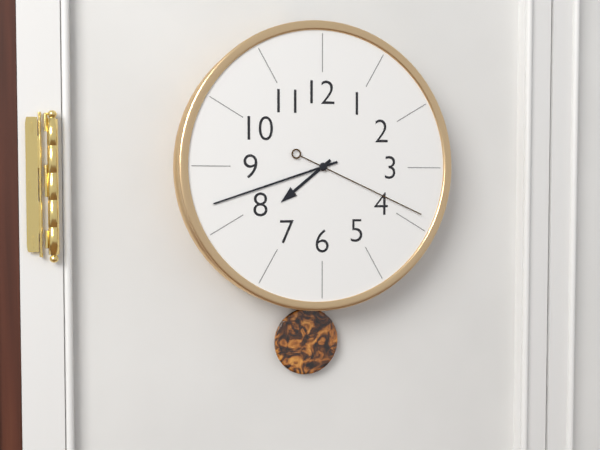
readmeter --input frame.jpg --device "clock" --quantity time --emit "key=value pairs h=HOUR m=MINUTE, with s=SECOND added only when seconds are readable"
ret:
h=7 m=42 s=19
